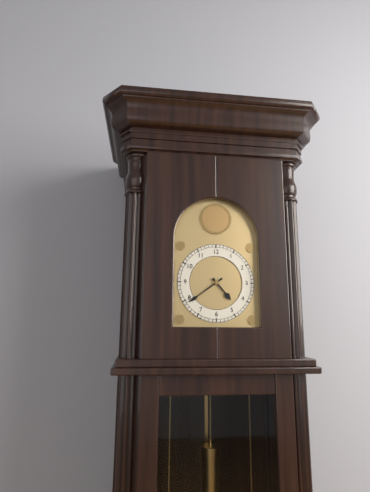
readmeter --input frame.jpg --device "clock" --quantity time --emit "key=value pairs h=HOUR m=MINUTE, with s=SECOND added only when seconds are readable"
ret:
h=4 m=39
